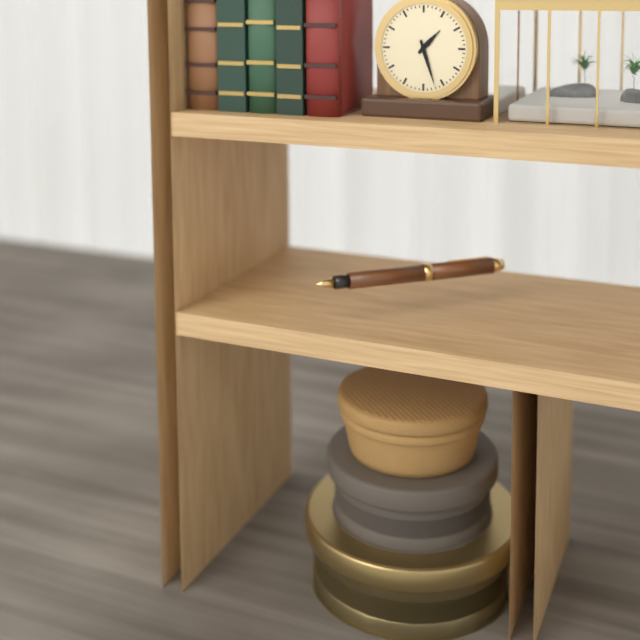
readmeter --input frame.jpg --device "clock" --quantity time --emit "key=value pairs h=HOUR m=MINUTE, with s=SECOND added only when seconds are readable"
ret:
h=1 m=27
